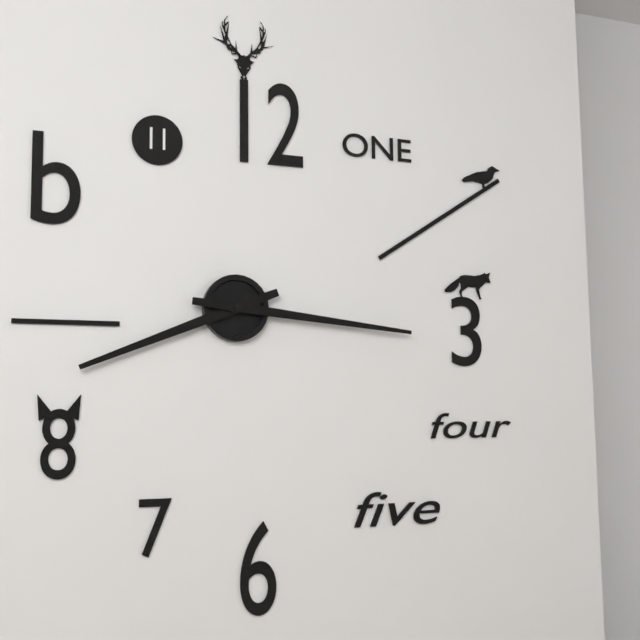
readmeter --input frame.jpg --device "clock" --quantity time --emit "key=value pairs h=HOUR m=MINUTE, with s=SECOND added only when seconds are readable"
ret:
h=8 m=16
